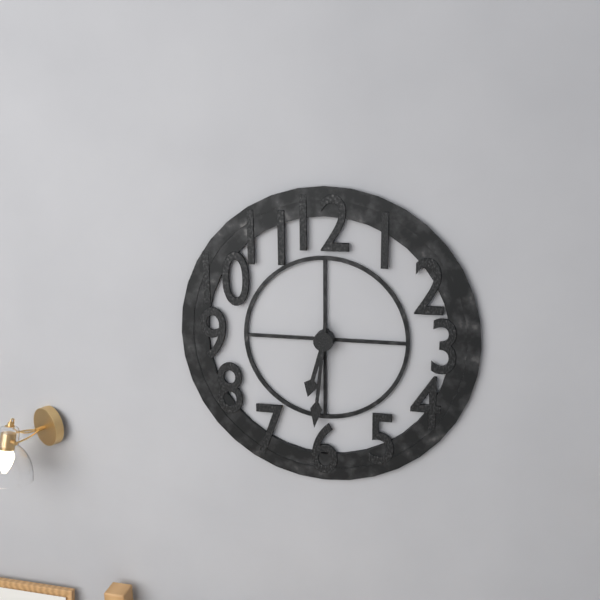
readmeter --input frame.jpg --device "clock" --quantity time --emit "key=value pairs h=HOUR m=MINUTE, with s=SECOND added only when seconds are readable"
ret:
h=6 m=31
